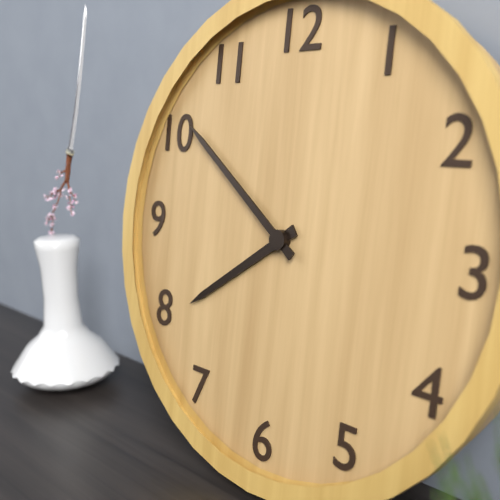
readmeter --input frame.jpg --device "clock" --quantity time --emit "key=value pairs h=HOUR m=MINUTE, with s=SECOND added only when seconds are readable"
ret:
h=7 m=51
